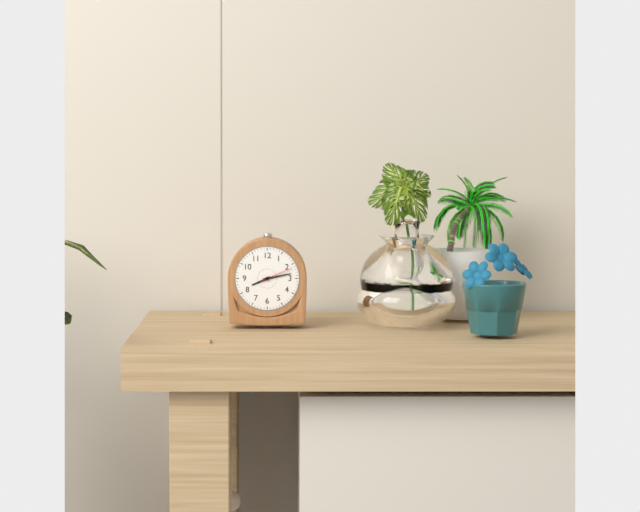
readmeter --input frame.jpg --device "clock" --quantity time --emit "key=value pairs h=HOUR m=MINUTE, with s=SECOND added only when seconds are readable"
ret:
h=8 m=13
